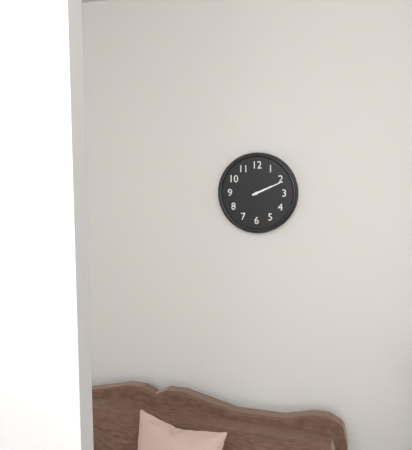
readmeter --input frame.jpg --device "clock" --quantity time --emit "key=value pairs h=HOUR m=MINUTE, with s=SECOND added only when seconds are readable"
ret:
h=2 m=11
